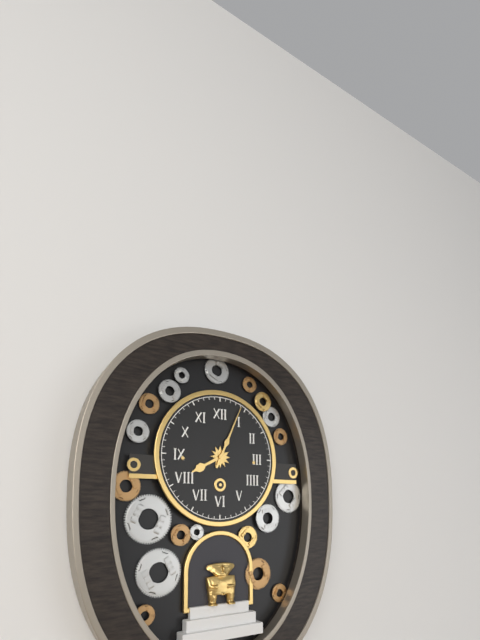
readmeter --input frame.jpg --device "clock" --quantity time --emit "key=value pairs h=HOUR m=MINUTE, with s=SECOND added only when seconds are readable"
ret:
h=8 m=4
